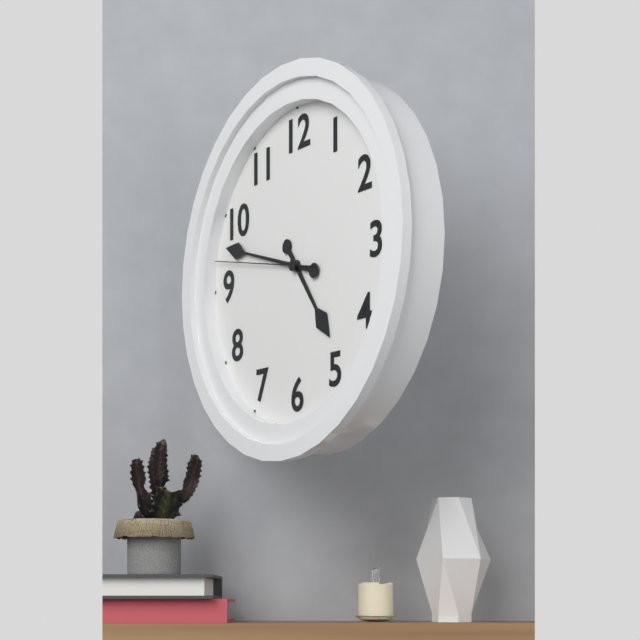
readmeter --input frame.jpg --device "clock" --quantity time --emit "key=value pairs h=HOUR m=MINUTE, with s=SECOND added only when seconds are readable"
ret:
h=4 m=48 s=47
